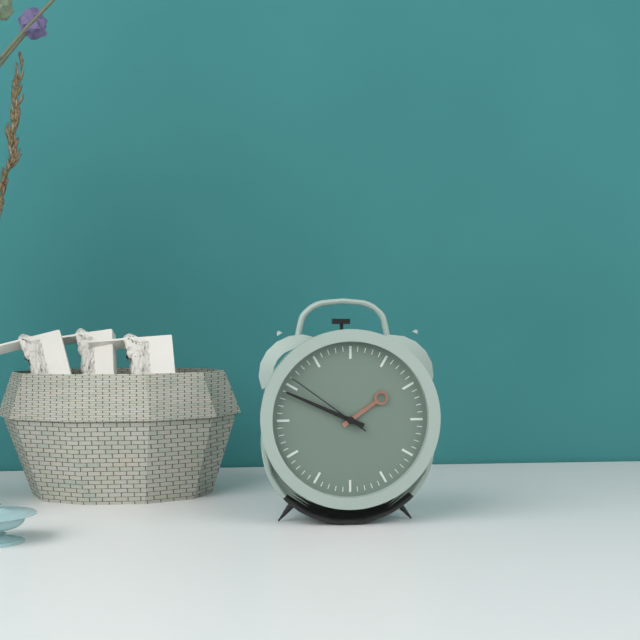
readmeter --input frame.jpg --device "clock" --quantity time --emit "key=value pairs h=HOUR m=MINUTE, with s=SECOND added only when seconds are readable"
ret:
h=1 m=49 s=51
